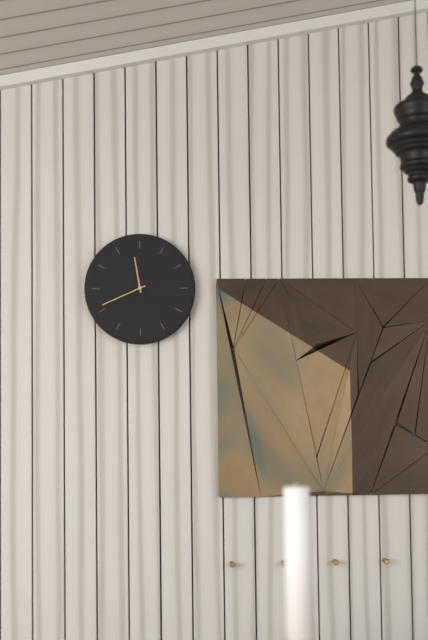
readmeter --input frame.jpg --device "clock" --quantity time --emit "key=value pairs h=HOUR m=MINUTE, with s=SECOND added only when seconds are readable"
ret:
h=11 m=41
